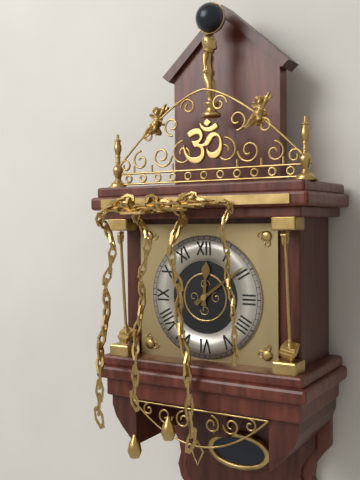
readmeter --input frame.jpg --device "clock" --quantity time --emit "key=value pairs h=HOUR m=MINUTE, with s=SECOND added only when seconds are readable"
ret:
h=12 m=9
